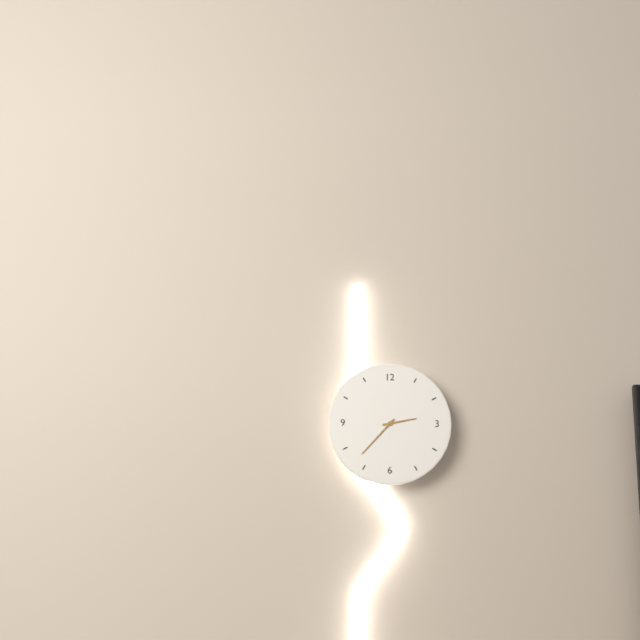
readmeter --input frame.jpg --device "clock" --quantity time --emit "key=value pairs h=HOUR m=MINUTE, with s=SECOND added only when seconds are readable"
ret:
h=2 m=37
